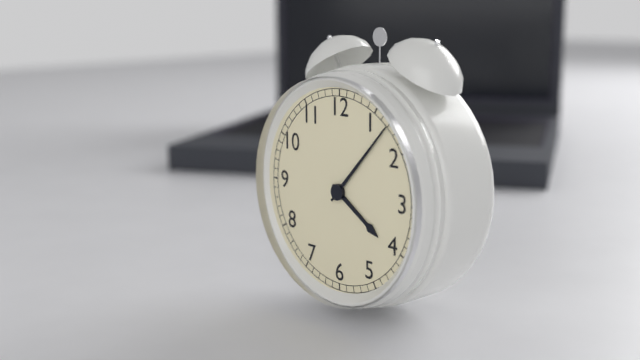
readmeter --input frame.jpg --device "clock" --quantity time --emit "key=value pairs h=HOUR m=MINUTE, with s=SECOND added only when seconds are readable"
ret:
h=4 m=7
